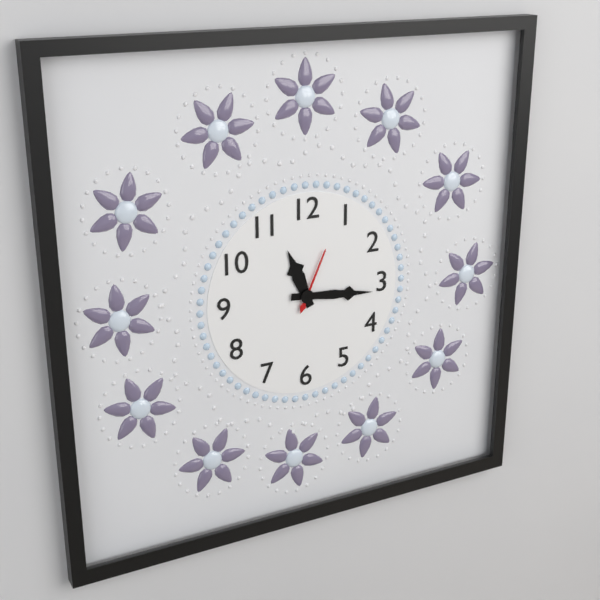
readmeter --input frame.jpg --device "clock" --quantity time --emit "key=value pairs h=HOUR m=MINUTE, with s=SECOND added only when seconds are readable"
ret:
h=11 m=16 s=4
